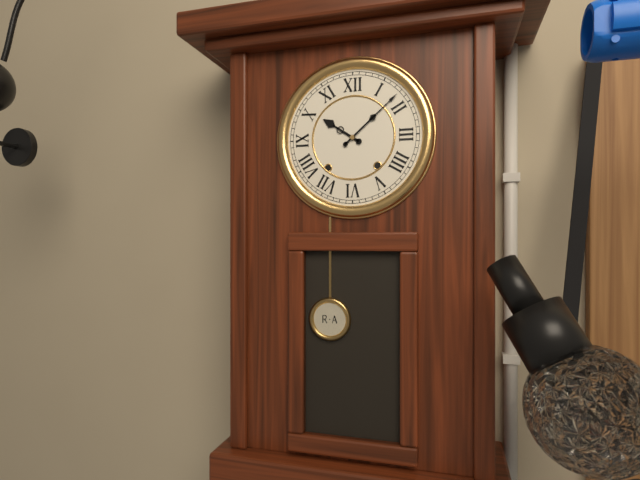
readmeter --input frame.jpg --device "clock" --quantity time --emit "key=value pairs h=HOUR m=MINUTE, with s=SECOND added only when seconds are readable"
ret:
h=10 m=8
